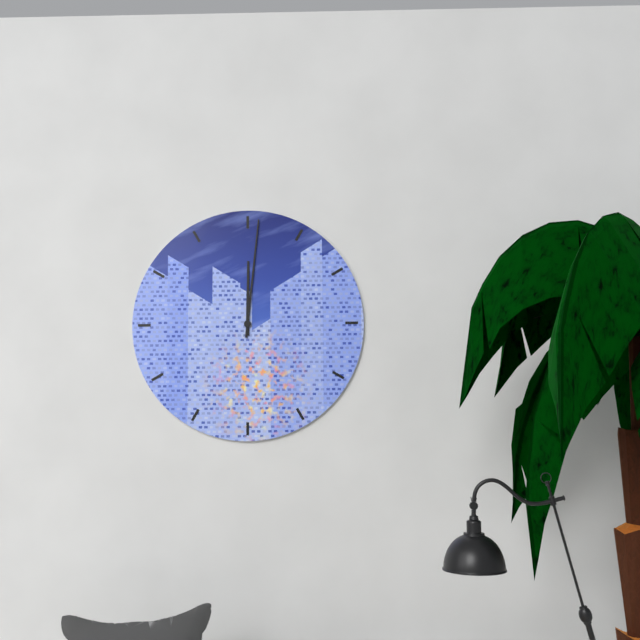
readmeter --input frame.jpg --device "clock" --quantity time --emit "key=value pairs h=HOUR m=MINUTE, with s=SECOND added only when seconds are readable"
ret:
h=12 m=1
